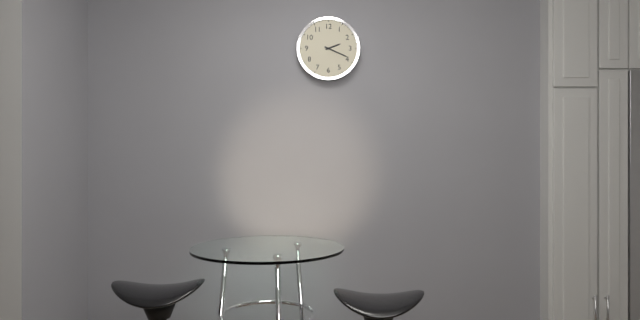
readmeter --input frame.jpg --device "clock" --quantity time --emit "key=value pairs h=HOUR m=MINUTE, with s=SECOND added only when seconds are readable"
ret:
h=2 m=19
